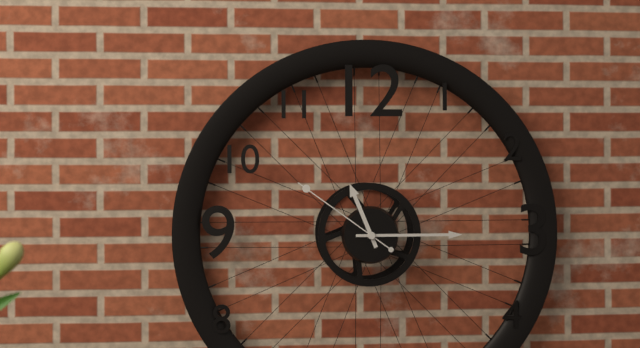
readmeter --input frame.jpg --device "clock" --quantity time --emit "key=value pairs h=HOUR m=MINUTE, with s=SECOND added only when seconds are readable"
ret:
h=11 m=15 s=51
